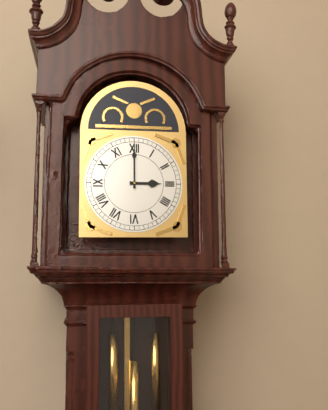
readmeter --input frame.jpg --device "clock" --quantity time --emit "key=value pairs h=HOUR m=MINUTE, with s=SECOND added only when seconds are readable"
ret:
h=3 m=0
